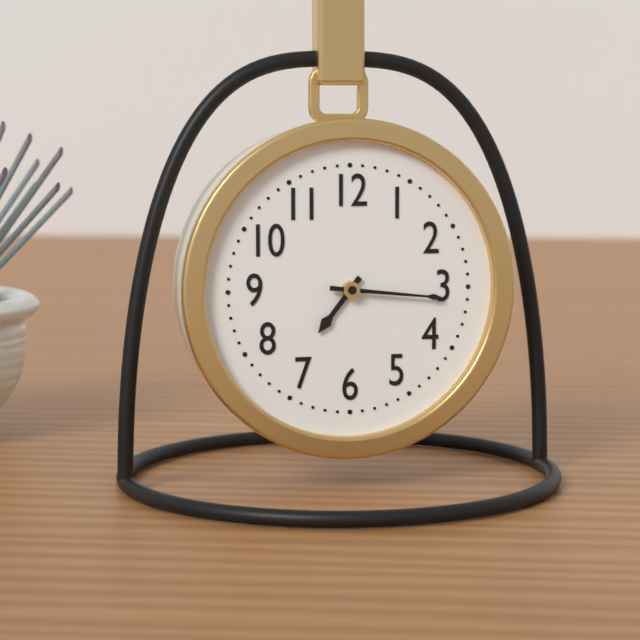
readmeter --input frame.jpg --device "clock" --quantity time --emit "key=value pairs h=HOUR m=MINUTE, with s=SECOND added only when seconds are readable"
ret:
h=7 m=16
